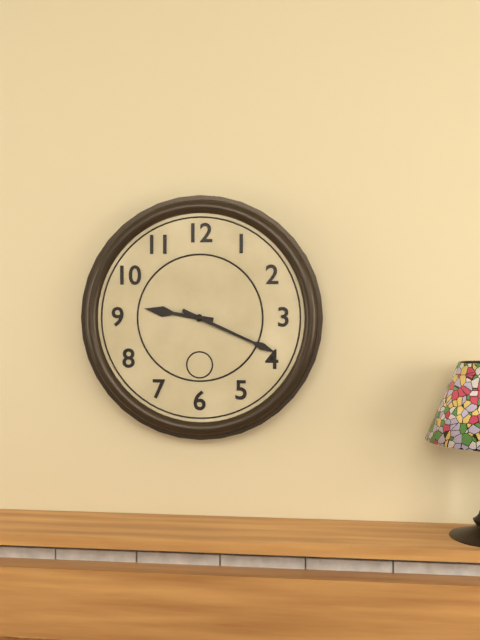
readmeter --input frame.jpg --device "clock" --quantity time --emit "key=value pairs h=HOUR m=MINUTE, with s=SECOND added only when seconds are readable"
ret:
h=9 m=19
